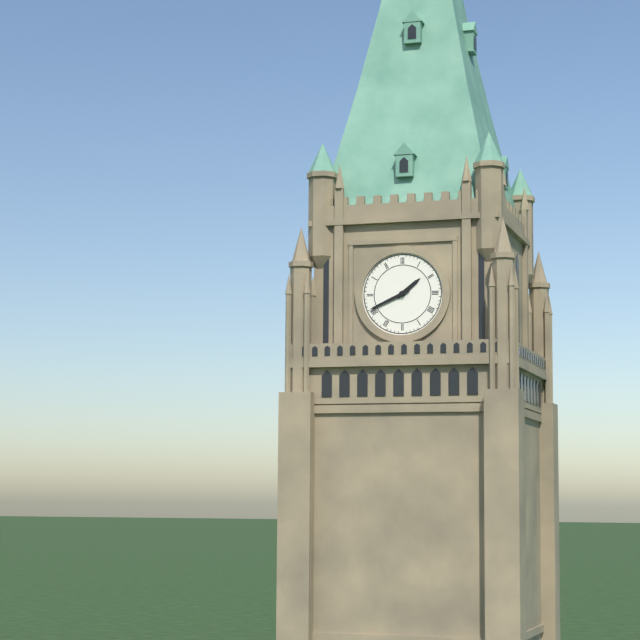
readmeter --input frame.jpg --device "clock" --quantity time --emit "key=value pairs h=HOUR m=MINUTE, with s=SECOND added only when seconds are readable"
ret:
h=1 m=41
